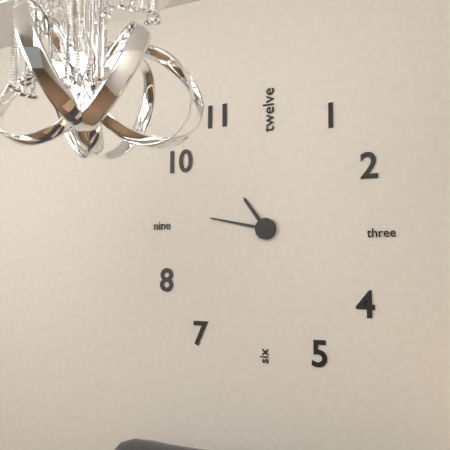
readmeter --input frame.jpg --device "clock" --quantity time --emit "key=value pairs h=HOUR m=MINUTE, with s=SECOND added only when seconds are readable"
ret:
h=10 m=47
